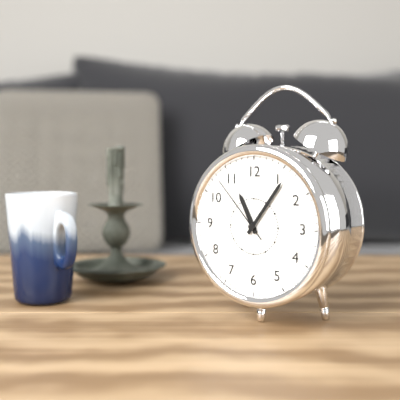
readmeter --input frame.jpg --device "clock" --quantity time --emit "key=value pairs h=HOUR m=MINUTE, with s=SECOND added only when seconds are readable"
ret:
h=11 m=6 s=53
